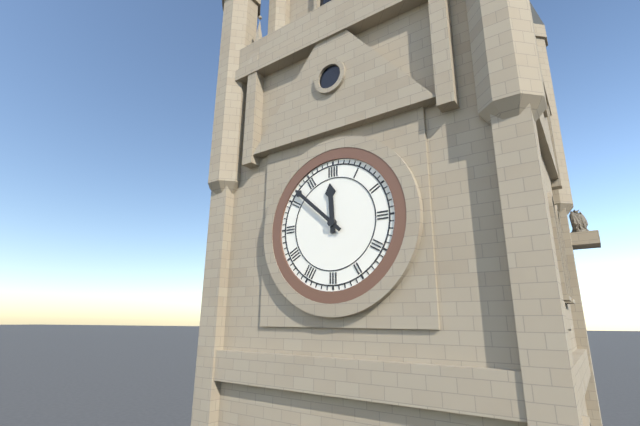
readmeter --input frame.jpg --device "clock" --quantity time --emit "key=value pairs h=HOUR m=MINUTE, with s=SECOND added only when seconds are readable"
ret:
h=11 m=52
